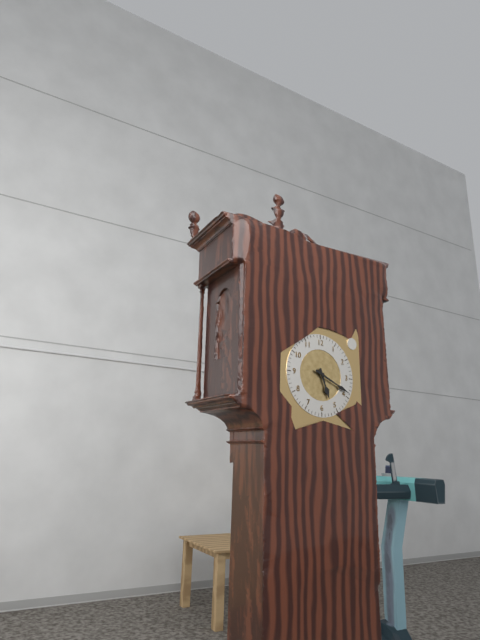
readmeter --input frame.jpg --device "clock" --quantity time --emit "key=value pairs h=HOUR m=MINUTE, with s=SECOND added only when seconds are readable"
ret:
h=5 m=19
